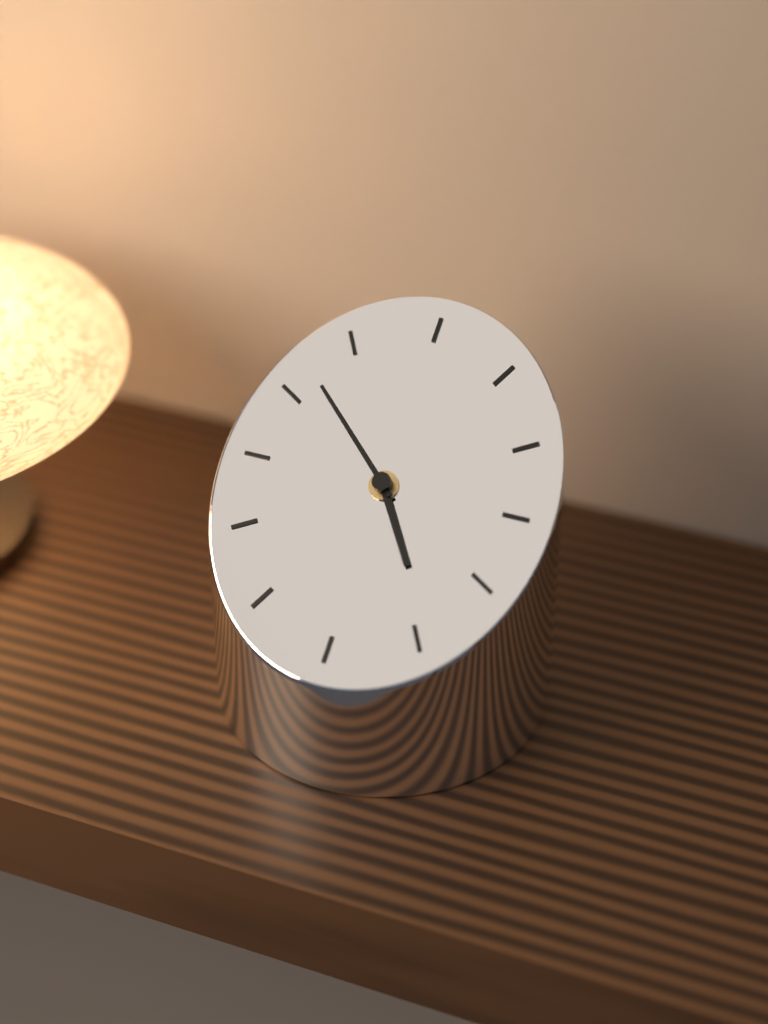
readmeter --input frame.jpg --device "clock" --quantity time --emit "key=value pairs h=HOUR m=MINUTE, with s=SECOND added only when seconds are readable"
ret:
h=4 m=52
